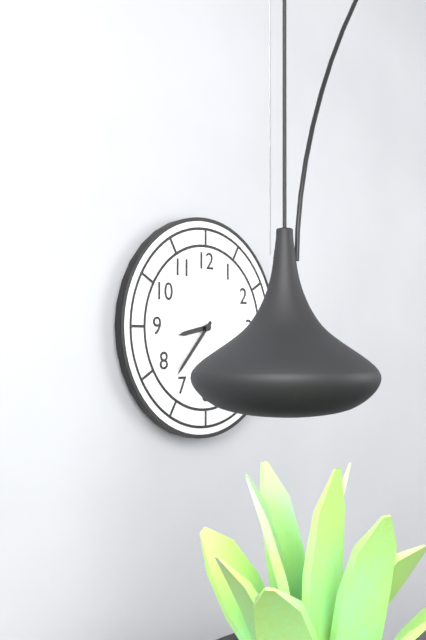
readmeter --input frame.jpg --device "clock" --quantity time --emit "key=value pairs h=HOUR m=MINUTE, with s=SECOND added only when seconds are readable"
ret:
h=8 m=37 s=59
